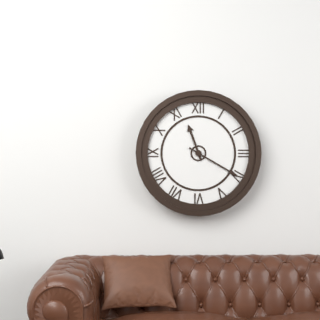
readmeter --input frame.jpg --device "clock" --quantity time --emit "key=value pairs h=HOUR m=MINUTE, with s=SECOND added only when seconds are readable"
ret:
h=11 m=20
